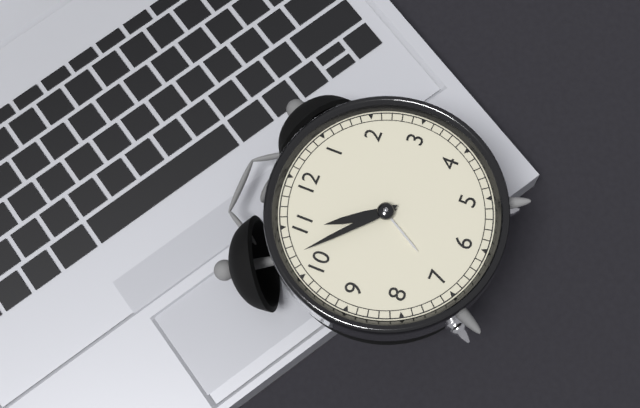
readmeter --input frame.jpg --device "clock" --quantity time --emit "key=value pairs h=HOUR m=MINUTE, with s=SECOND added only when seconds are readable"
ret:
h=10 m=52
